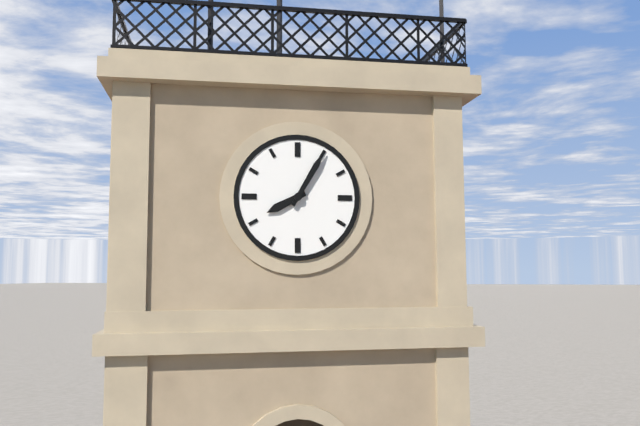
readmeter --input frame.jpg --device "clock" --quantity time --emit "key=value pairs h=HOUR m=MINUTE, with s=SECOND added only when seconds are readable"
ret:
h=8 m=5
